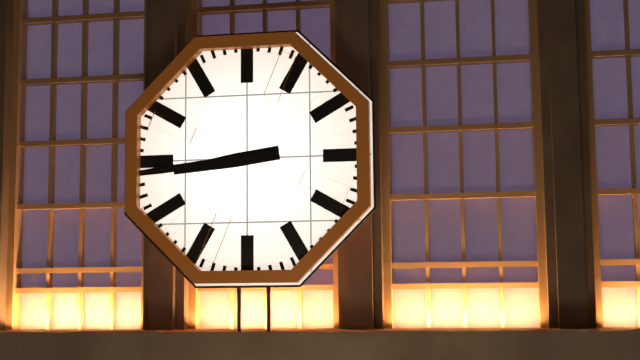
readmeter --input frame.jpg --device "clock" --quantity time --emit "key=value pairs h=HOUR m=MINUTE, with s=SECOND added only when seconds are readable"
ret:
h=8 m=44
